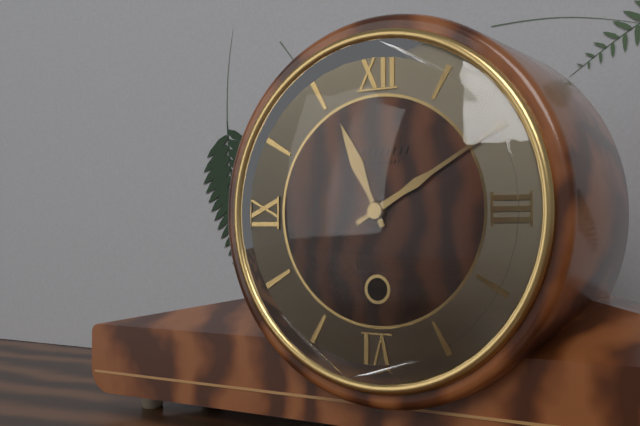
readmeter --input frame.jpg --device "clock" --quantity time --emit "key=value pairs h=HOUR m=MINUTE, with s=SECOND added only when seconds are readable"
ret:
h=11 m=10
